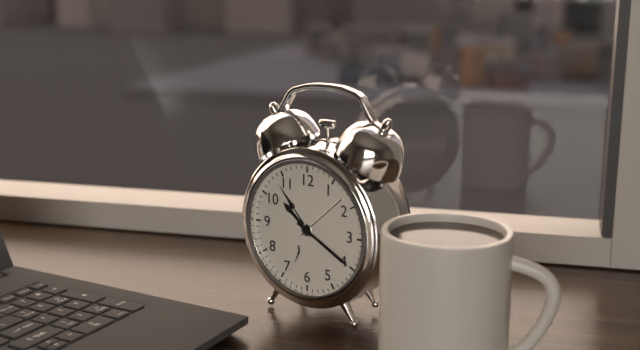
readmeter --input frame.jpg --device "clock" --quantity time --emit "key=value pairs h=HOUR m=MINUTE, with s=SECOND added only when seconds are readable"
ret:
h=10 m=20
